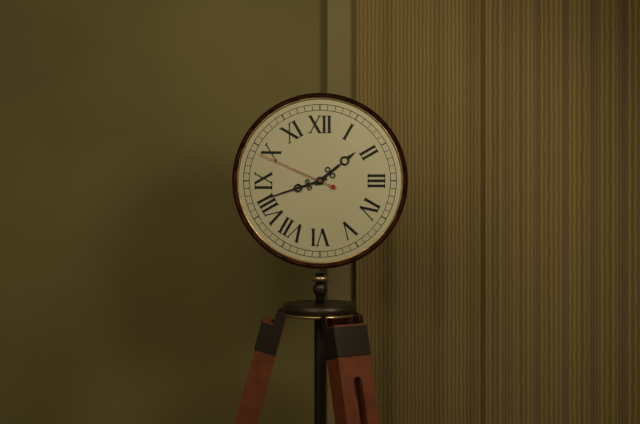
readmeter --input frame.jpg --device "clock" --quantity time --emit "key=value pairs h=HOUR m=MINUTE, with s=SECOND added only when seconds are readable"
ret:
h=1 m=42 s=49
